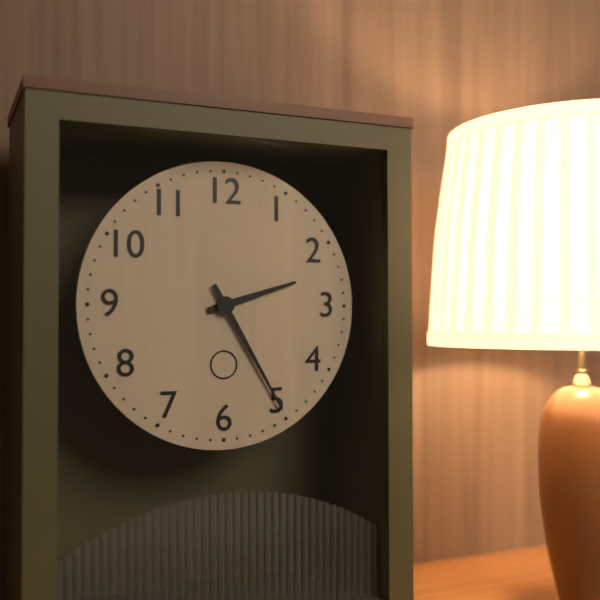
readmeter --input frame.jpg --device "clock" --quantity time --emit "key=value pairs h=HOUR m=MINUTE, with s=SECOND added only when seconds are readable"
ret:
h=2 m=25
